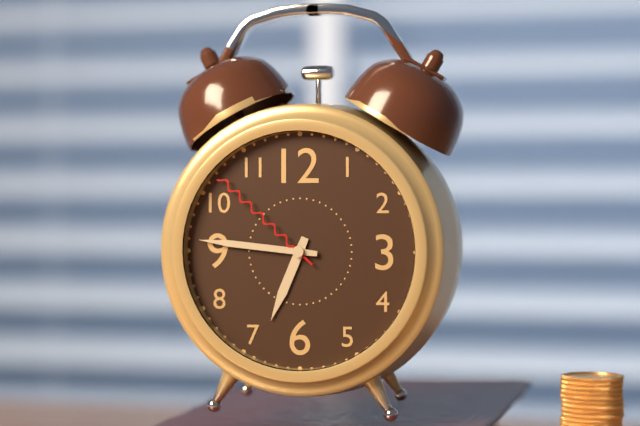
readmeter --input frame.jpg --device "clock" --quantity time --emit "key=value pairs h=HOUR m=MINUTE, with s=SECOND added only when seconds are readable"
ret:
h=6 m=46 s=52
